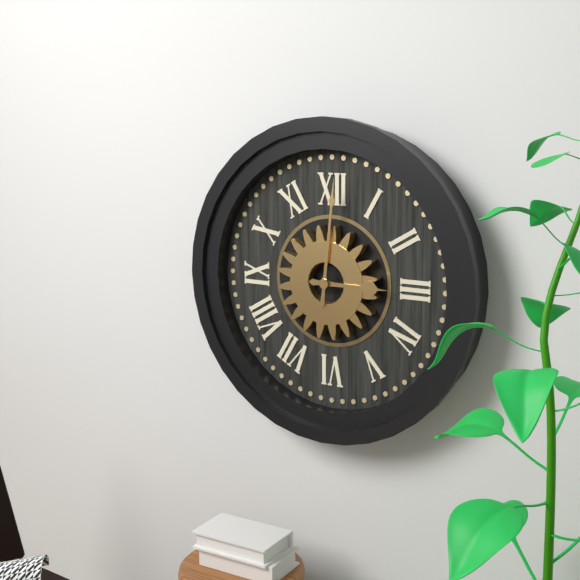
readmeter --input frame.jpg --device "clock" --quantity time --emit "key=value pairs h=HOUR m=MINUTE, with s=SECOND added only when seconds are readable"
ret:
h=3 m=1
